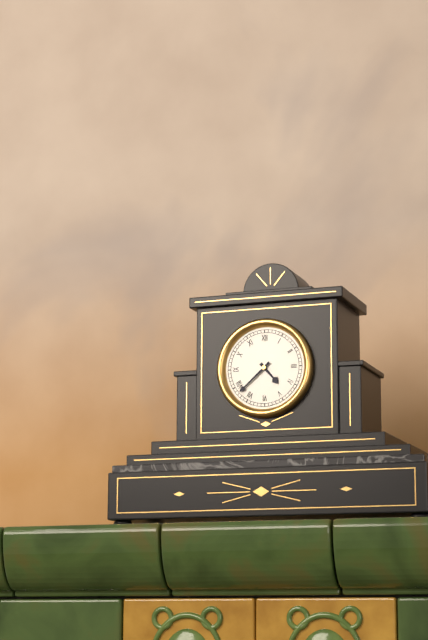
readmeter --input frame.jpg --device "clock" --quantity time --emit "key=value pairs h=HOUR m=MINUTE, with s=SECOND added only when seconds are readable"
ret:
h=4 m=38
